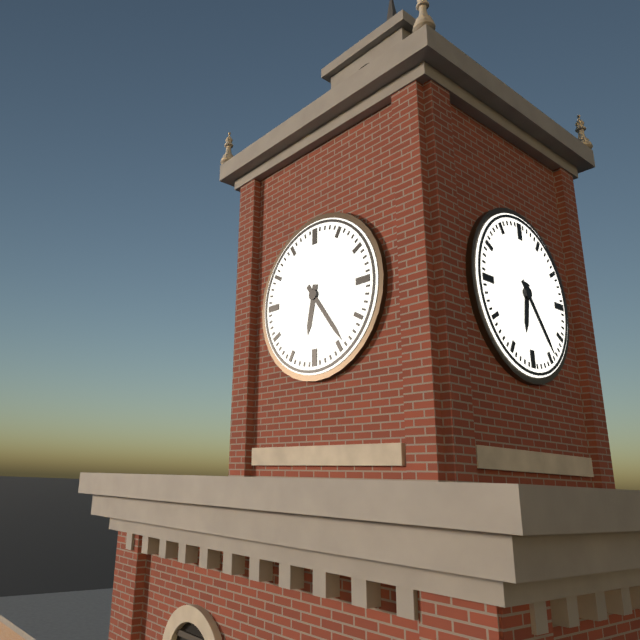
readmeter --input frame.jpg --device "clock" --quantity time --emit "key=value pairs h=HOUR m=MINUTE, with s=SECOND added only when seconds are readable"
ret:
h=6 m=24
